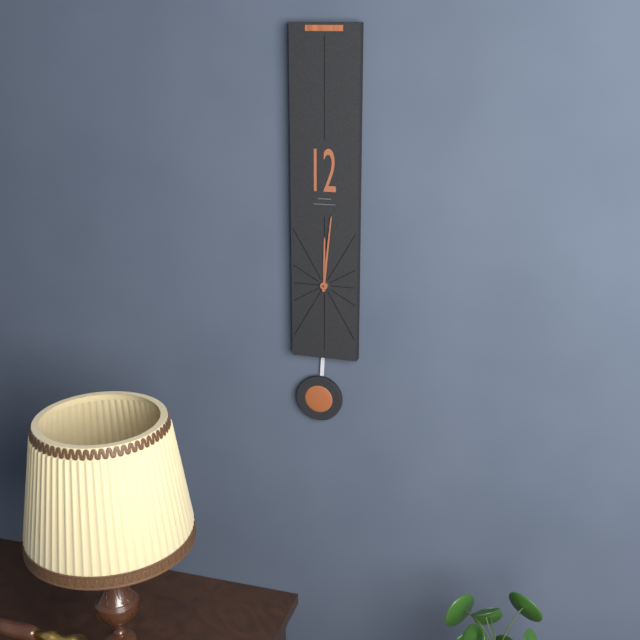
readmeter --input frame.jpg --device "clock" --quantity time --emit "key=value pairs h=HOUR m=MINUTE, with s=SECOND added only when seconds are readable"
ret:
h=12 m=1
